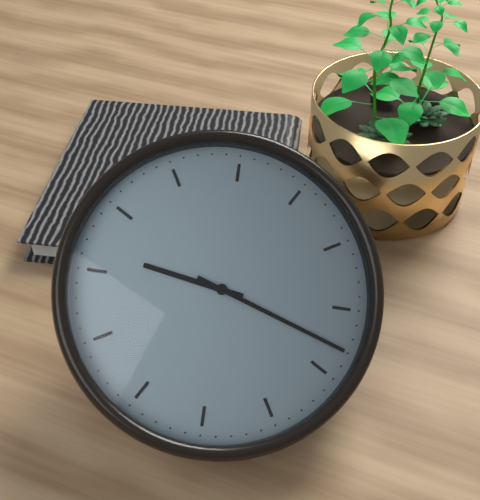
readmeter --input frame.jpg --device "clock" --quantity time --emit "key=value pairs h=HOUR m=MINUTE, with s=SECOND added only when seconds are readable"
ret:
h=9 m=18
